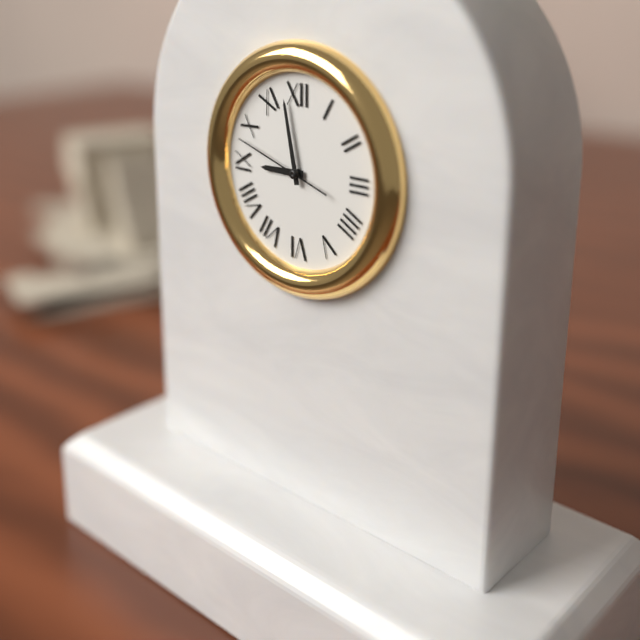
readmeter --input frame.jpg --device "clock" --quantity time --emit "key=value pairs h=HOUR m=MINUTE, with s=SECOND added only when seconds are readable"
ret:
h=8 m=58 s=48
